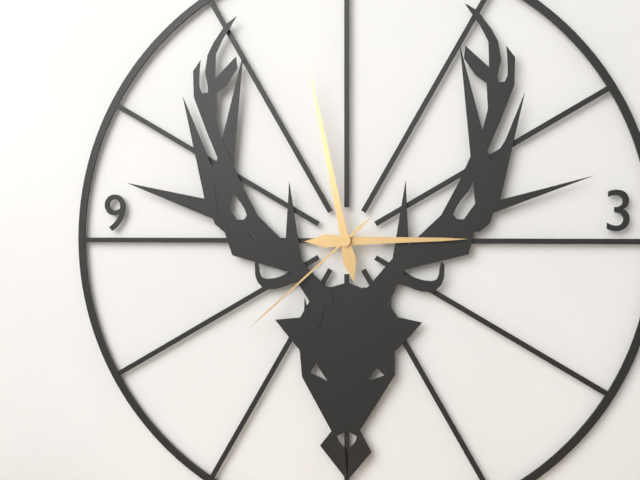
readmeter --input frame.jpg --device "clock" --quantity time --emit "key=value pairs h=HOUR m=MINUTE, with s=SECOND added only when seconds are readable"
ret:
h=2 m=58 s=38
